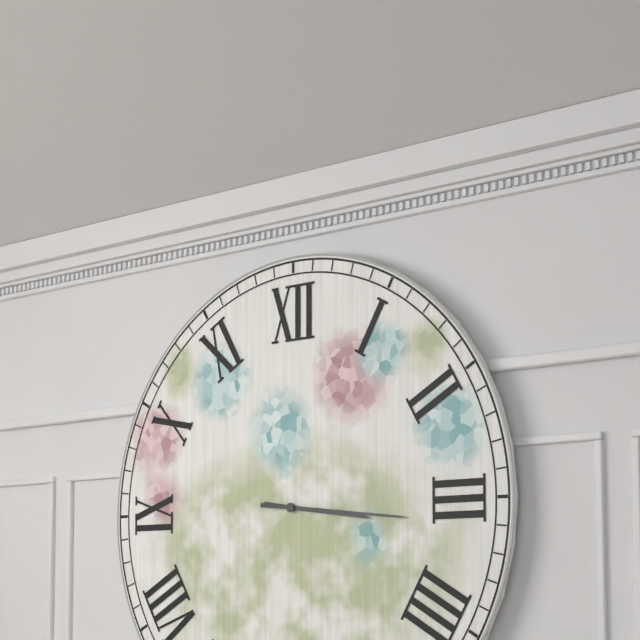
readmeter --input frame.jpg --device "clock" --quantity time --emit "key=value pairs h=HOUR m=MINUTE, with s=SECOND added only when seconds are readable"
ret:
h=3 m=16
